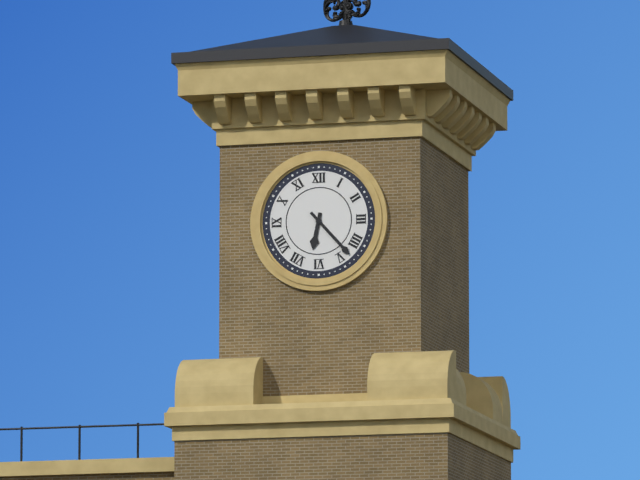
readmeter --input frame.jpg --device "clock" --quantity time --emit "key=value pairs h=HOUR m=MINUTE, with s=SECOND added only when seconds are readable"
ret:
h=6 m=23
